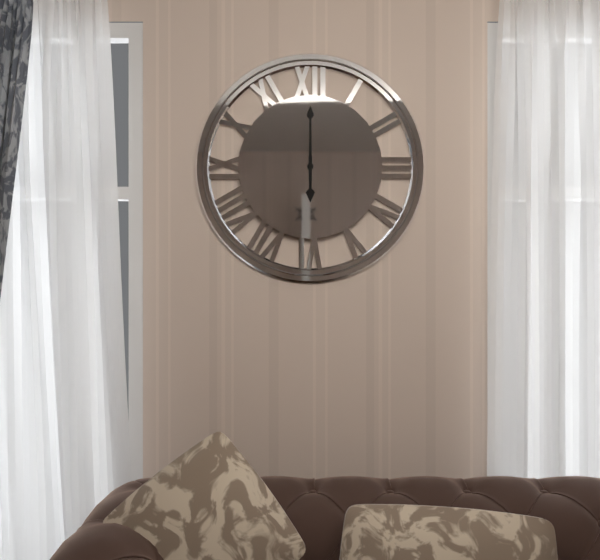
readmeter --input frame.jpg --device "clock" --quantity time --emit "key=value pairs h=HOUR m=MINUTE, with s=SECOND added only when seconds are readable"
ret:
h=6 m=0
